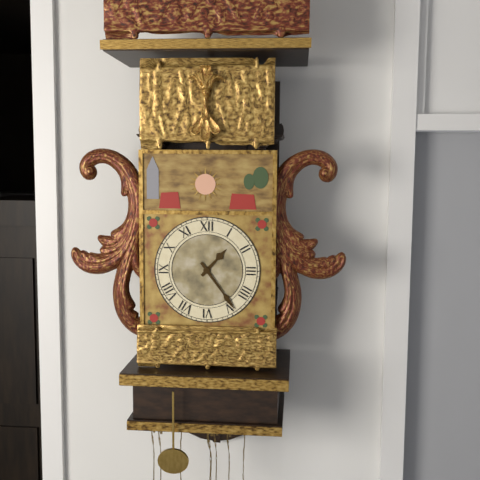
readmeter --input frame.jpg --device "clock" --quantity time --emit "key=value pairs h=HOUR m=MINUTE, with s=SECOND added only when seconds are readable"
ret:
h=1 m=24
